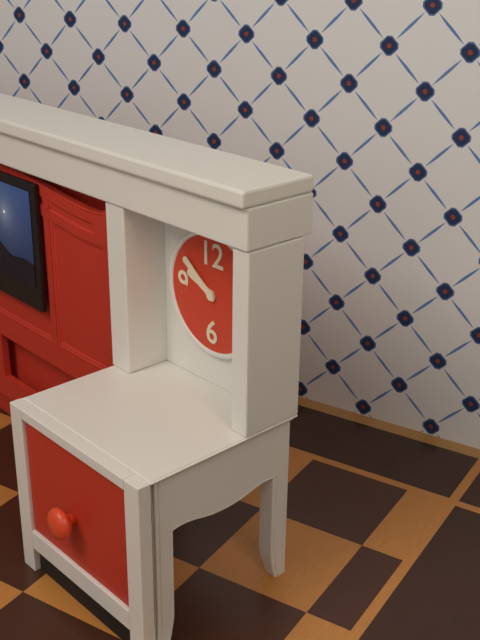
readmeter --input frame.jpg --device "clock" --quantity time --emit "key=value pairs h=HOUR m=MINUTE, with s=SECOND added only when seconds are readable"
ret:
h=9 m=51
